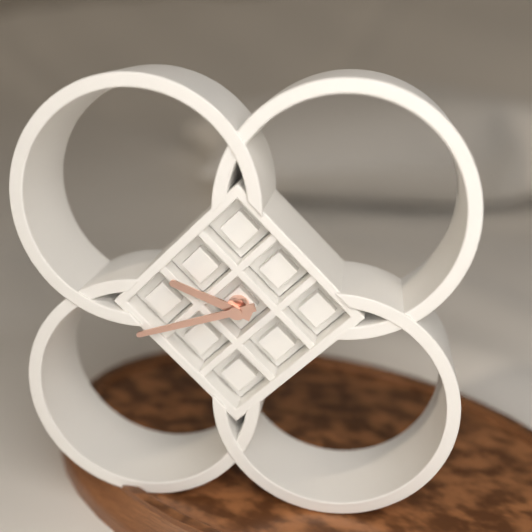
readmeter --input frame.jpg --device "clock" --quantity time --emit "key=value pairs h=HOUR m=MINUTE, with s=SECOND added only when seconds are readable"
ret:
h=9 m=42
